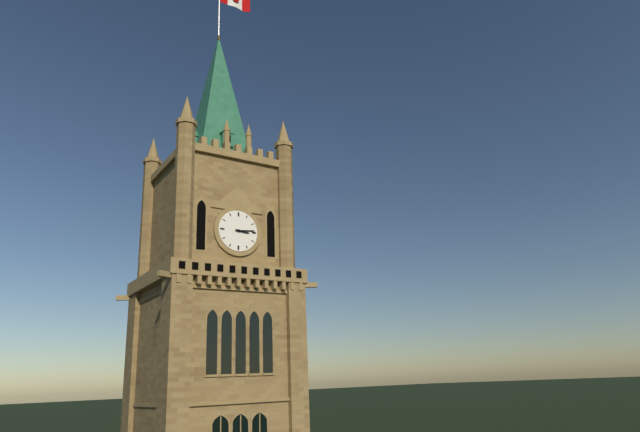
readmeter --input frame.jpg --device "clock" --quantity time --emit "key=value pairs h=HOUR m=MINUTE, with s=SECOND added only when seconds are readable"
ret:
h=3 m=14
